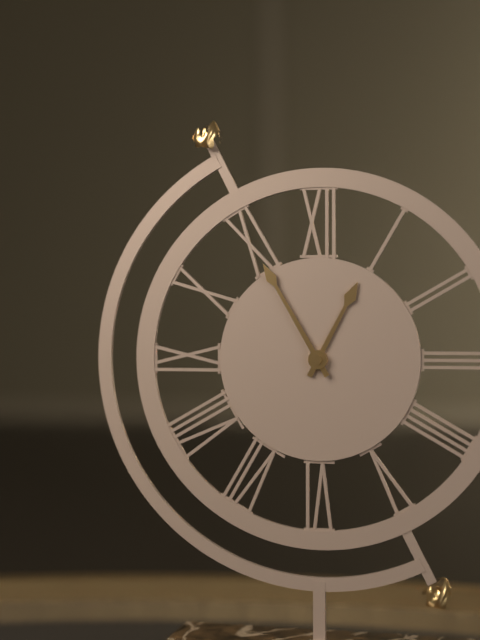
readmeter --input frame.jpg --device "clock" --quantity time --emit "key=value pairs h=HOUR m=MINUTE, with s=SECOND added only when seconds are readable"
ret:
h=12 m=55
